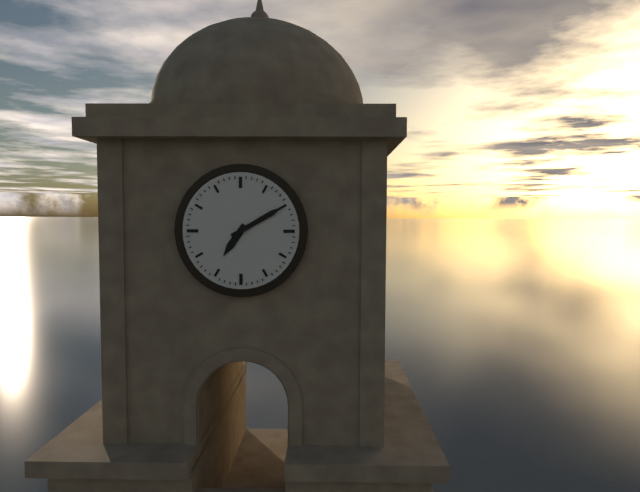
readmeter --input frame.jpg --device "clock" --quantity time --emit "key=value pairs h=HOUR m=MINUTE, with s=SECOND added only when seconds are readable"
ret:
h=7 m=10
